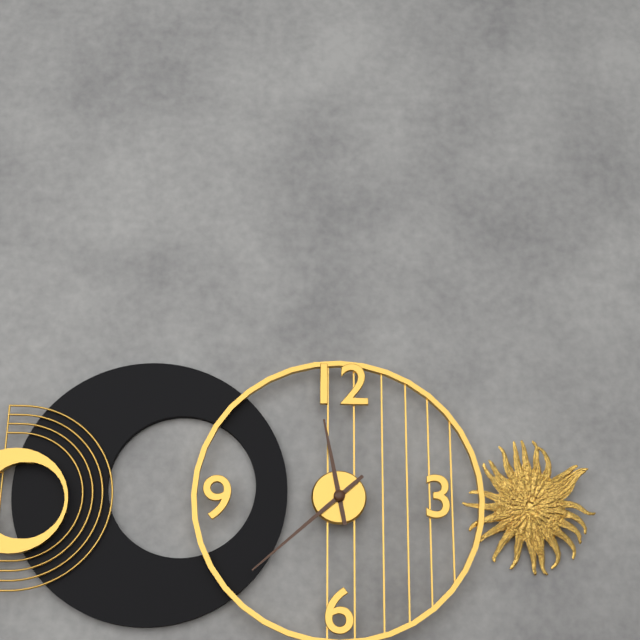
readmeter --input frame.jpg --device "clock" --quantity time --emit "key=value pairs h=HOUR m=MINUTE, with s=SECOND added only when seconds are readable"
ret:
h=11 m=38
